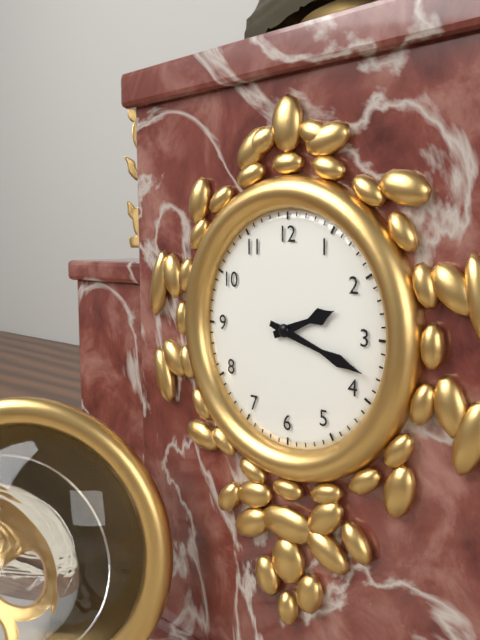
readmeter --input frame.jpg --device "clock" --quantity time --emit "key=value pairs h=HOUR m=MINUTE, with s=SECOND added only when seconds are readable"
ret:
h=2 m=18
